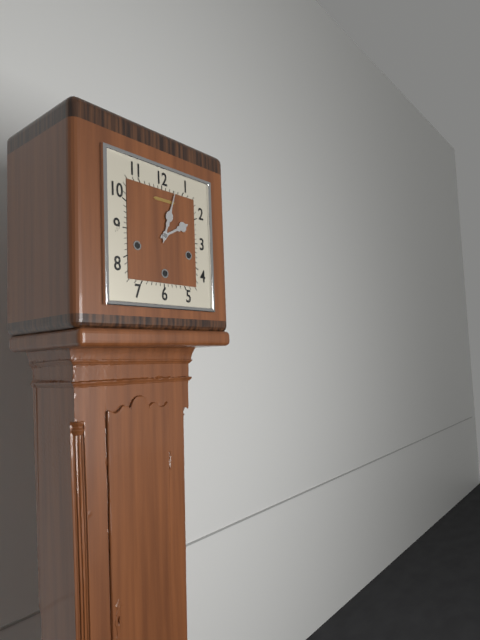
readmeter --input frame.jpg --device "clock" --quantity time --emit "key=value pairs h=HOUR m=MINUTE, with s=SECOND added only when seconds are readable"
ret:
h=2 m=3
